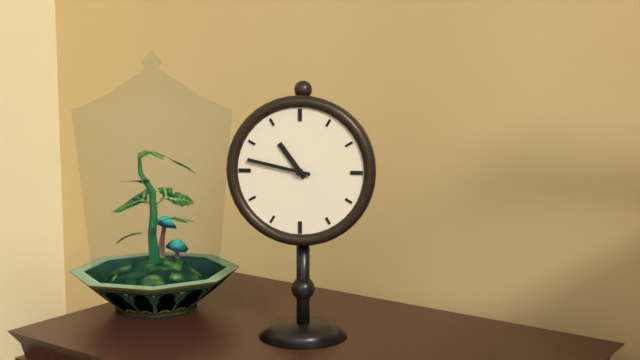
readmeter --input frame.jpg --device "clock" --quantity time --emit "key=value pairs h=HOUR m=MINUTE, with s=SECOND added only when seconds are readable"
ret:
h=10 m=47
